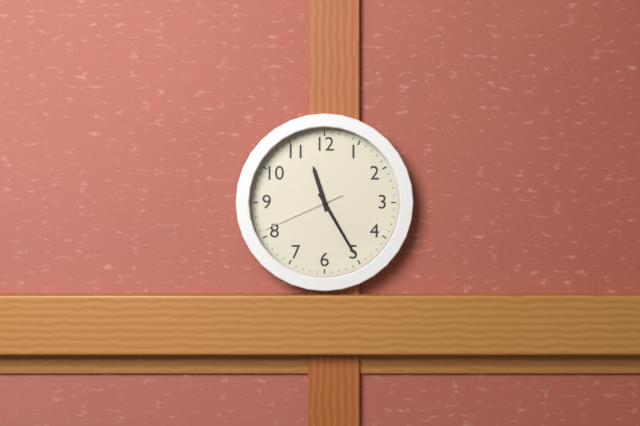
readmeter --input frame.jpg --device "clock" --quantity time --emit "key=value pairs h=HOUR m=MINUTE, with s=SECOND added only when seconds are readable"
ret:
h=11 m=25 s=41
